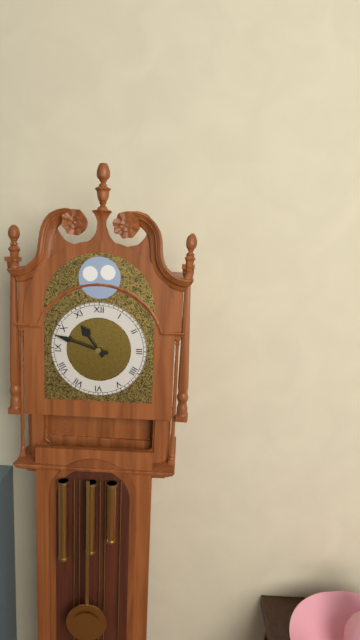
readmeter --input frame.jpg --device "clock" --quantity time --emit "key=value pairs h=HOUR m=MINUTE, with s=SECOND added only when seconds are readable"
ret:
h=10 m=48
